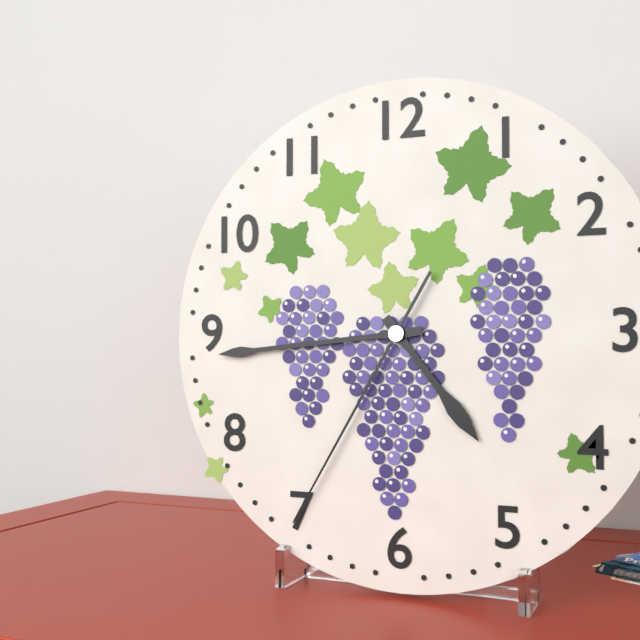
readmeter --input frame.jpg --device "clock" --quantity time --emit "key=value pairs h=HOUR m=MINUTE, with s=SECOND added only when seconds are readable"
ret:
h=4 m=44 s=35
